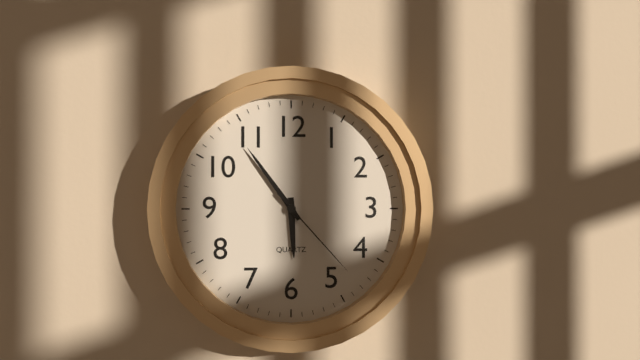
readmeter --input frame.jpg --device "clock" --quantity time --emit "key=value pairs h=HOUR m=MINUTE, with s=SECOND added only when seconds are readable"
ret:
h=5 m=54 s=23
